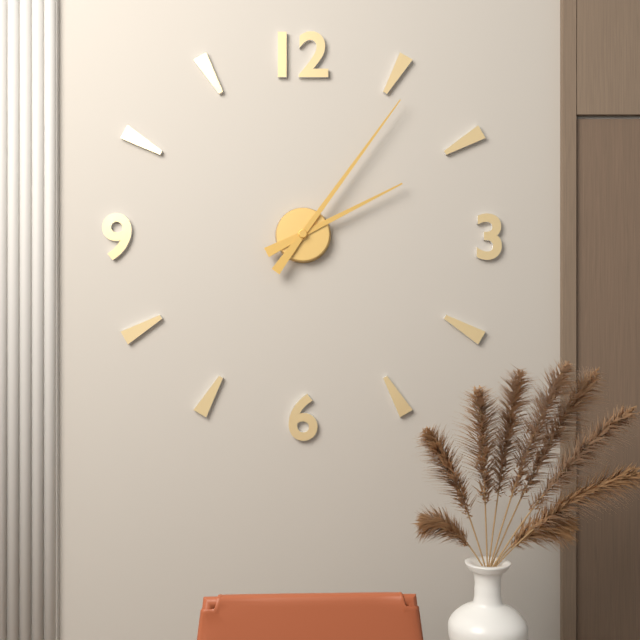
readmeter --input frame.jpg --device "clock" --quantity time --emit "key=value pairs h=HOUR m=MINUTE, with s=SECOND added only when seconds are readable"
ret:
h=2 m=6
